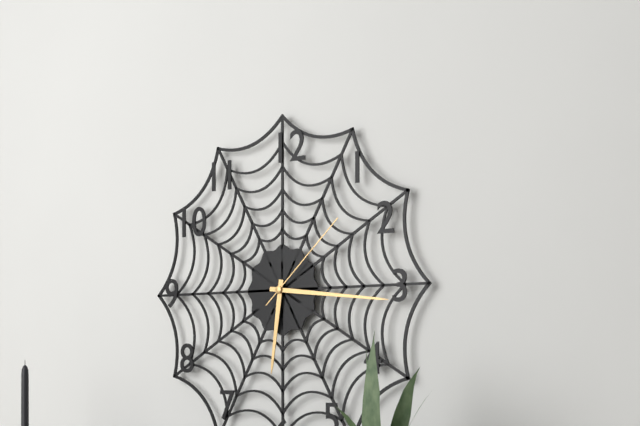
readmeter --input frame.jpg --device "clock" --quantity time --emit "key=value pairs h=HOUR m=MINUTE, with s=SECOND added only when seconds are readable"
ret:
h=6 m=16 s=8
